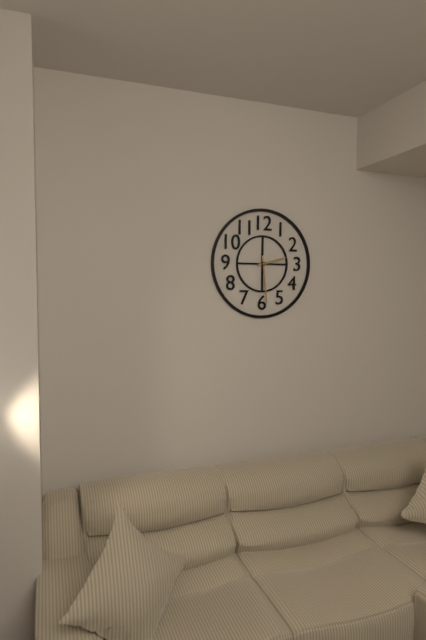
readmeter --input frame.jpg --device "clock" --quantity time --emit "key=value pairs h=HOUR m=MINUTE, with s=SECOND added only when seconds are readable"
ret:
h=2 m=29
